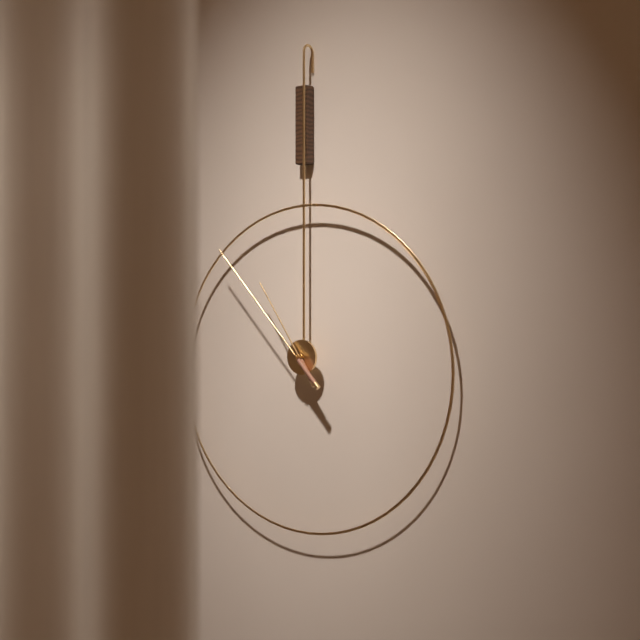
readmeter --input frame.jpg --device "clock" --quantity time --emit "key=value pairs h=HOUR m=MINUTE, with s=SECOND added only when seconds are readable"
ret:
h=10 m=53
